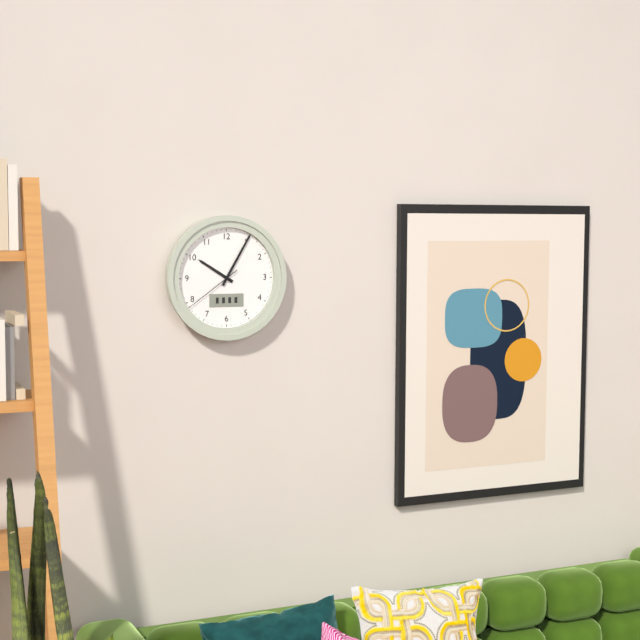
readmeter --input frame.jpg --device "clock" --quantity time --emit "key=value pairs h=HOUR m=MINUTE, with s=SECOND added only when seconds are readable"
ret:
h=10 m=5 s=39
